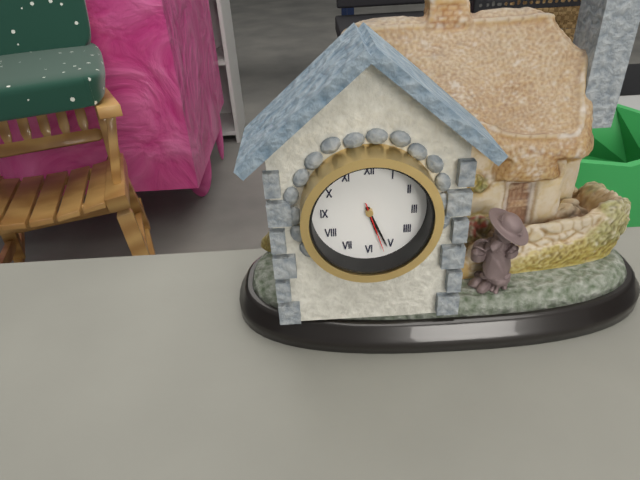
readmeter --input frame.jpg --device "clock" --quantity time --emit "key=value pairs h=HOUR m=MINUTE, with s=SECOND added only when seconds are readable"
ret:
h=5 m=26
